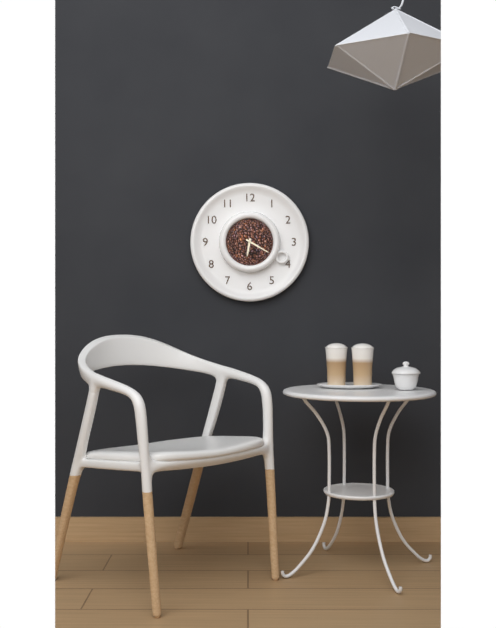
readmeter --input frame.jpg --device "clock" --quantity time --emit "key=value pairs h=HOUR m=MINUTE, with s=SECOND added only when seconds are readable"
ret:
h=6 m=20
